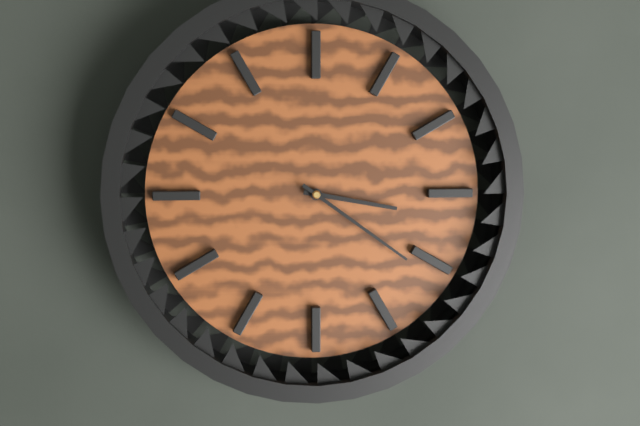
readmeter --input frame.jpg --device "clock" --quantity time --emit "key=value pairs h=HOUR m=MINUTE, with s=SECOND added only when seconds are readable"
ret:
h=3 m=21
